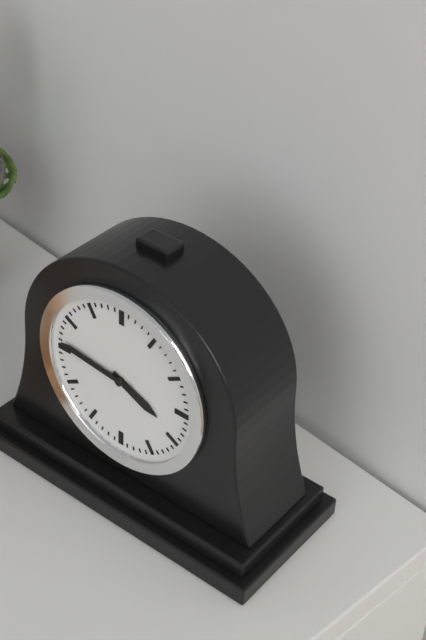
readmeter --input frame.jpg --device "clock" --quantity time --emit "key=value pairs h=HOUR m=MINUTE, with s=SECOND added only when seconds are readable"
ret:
h=3 m=46
